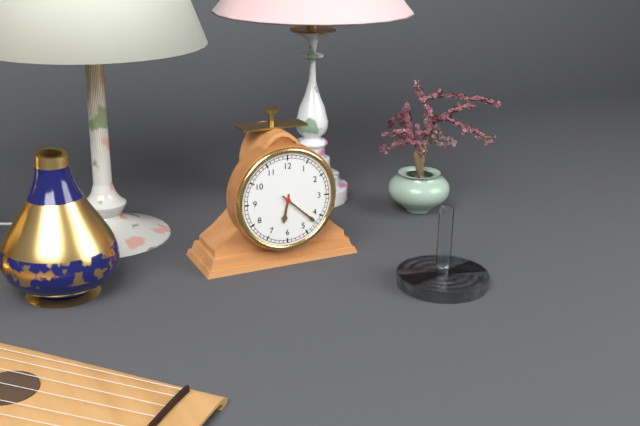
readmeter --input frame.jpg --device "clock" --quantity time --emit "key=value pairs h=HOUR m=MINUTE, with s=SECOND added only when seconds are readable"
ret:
h=6 m=22
